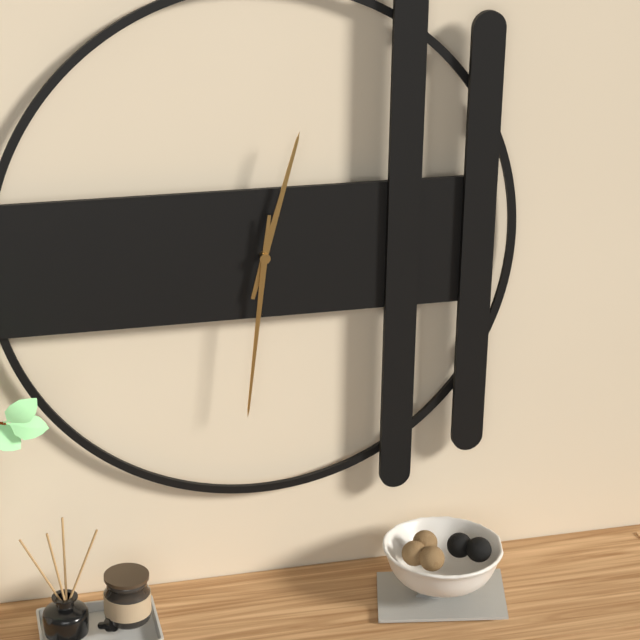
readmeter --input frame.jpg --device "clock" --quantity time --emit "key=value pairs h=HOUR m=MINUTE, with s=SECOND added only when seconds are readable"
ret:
h=12 m=31
